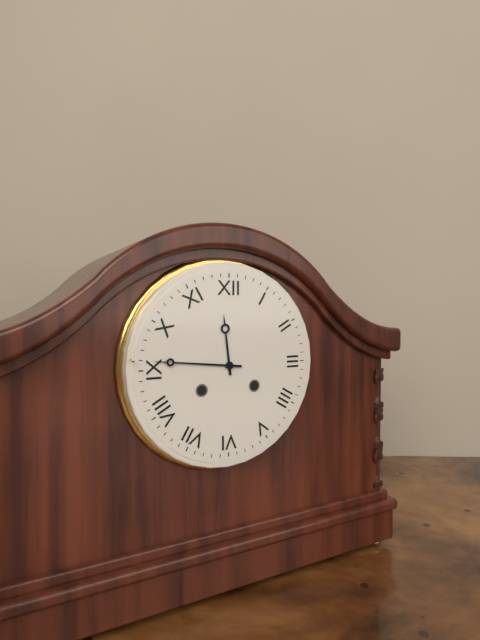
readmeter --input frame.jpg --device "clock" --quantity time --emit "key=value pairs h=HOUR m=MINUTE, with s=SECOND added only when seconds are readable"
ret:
h=11 m=46
